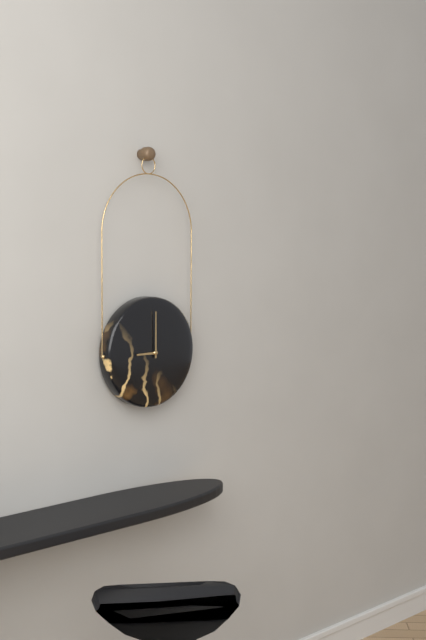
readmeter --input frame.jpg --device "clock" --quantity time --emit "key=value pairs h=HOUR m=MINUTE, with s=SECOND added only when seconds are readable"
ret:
h=9 m=0
